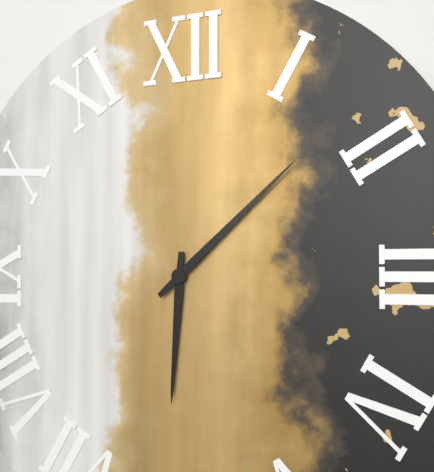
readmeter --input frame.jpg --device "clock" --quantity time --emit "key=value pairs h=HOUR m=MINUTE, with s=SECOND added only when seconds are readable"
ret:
h=6 m=8
